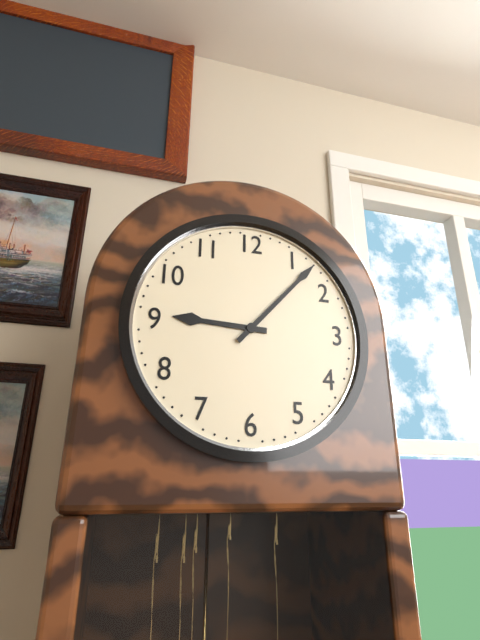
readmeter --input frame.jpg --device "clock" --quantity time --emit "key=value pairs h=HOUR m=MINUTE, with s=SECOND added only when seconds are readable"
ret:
h=9 m=7
